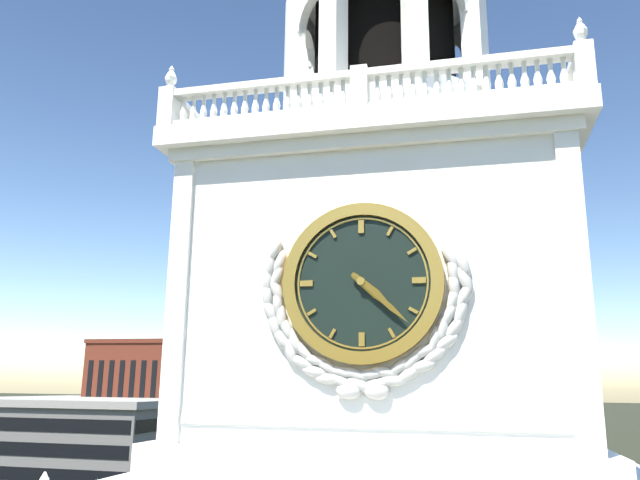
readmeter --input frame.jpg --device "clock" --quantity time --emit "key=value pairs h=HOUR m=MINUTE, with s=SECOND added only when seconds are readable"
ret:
h=4 m=22
